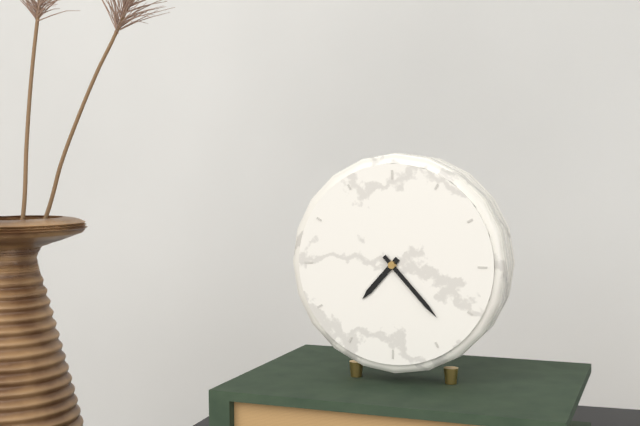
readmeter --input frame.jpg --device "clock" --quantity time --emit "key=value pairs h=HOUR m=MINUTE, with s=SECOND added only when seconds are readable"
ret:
h=7 m=23
